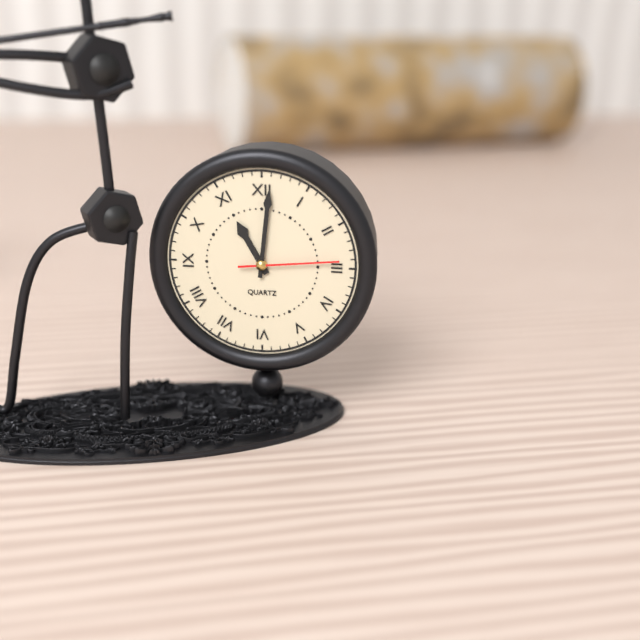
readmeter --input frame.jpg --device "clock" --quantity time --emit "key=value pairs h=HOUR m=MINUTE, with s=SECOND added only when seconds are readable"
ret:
h=11 m=1 s=14
